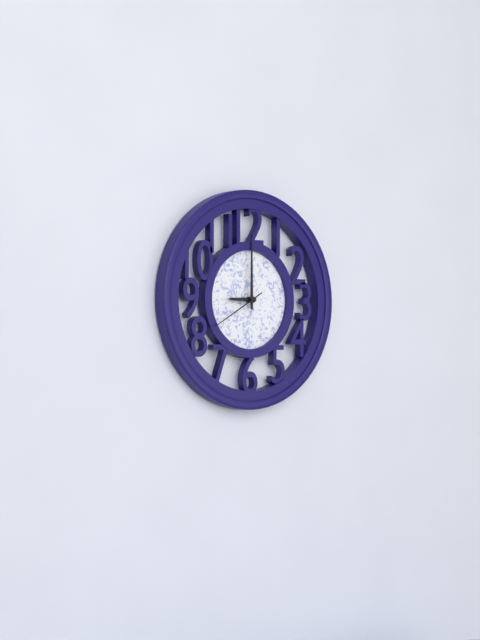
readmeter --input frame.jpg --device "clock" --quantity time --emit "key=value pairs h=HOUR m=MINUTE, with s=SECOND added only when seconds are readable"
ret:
h=9 m=0
